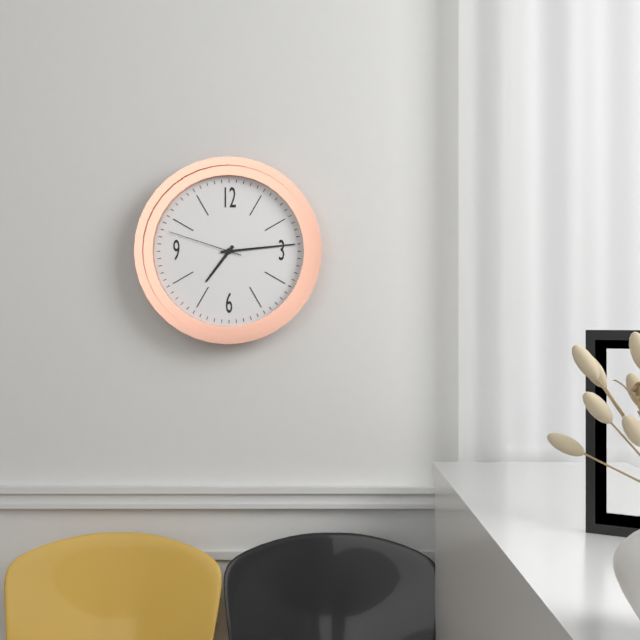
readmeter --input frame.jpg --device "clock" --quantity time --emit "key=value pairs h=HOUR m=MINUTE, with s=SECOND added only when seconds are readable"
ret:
h=7 m=14 s=48
